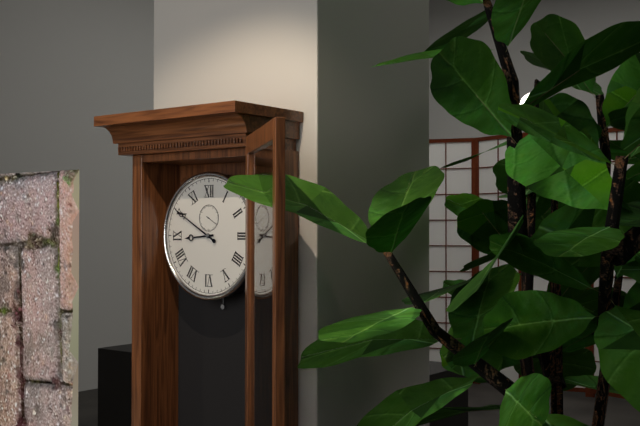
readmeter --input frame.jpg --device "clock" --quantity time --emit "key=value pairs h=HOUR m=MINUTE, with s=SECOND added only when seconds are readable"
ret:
h=8 m=50
